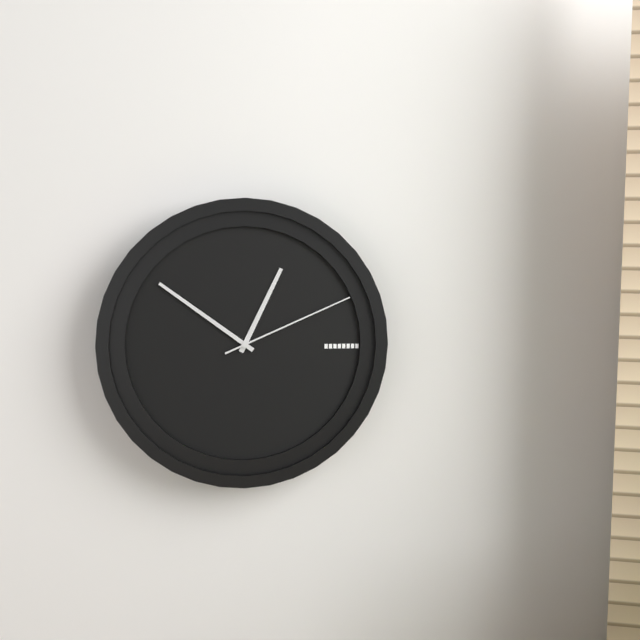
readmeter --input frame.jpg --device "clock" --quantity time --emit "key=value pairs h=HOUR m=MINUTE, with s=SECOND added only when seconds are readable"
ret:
h=12 m=51 s=11
